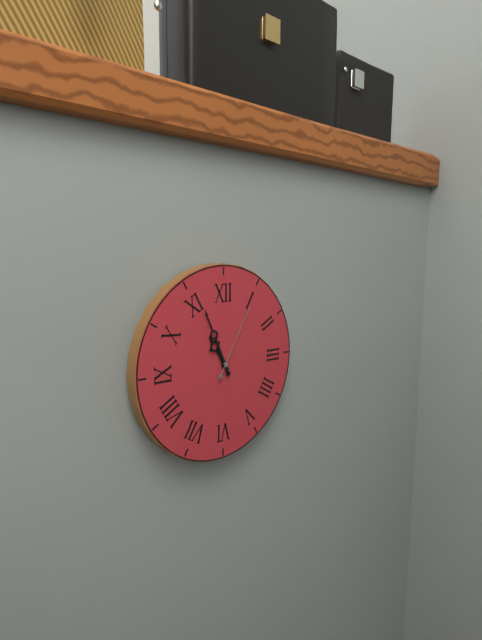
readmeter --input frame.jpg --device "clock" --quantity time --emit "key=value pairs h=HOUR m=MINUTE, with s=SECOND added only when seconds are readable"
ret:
h=10 m=56 s=5
